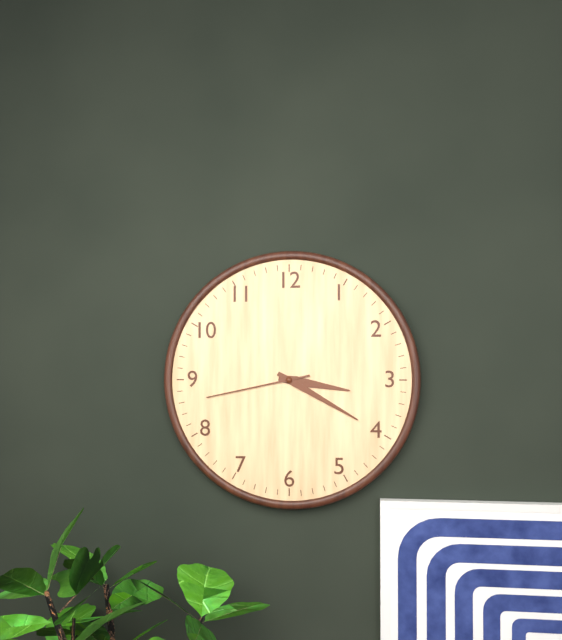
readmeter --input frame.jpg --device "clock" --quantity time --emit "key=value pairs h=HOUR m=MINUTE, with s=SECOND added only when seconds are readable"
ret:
h=3 m=20 s=43
